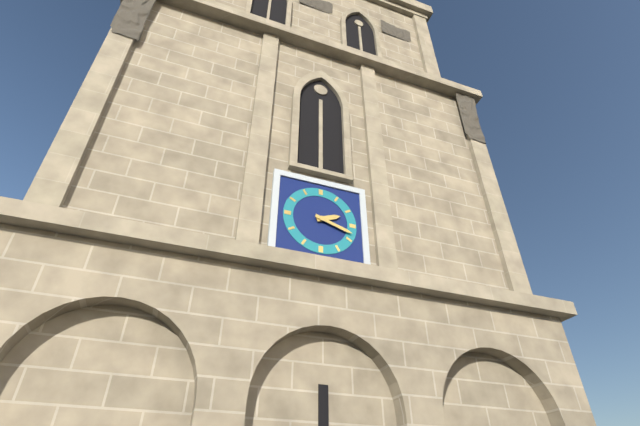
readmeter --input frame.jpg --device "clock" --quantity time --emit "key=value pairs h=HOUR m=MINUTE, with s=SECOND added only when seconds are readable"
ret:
h=2 m=18
